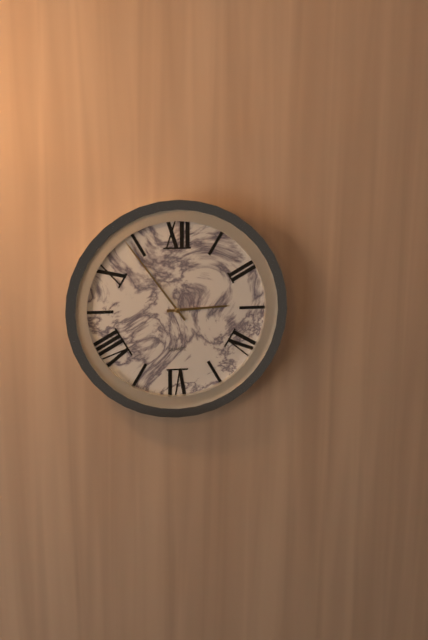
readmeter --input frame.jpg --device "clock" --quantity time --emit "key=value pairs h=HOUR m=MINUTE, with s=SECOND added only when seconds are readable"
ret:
h=2 m=54
